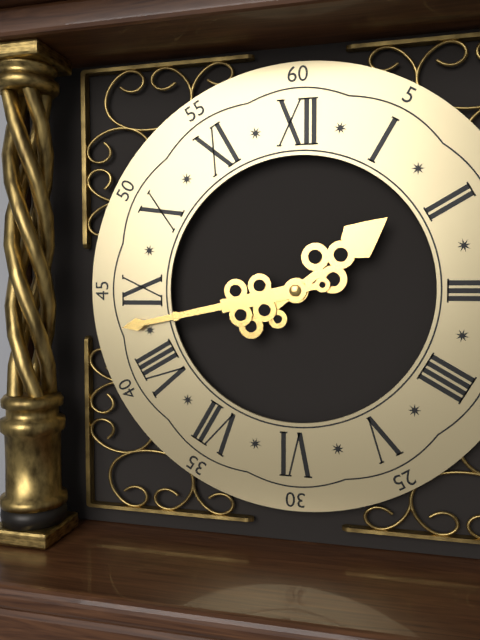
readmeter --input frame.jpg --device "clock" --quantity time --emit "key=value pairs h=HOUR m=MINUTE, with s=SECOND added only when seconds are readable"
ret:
h=1 m=43
